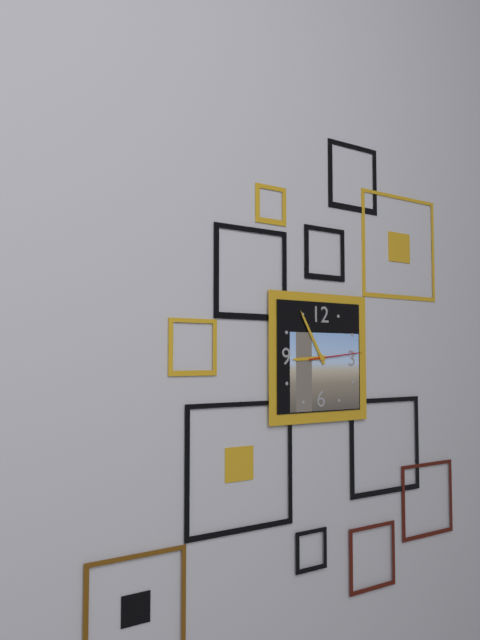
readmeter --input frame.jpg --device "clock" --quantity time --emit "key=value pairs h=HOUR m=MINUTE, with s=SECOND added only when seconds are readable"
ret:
h=8 m=55 s=14
